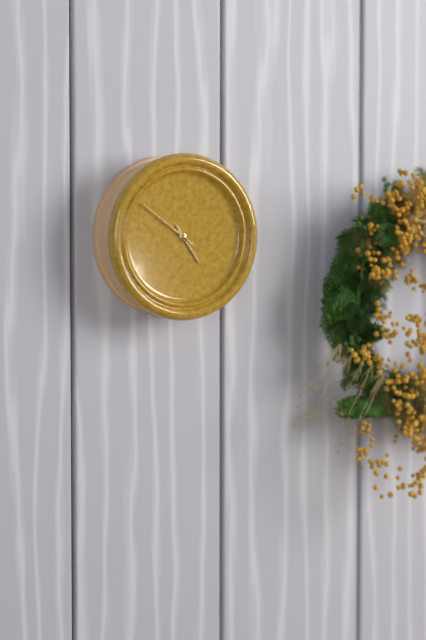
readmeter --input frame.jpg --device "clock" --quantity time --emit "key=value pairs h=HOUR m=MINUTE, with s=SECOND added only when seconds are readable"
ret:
h=4 m=51
